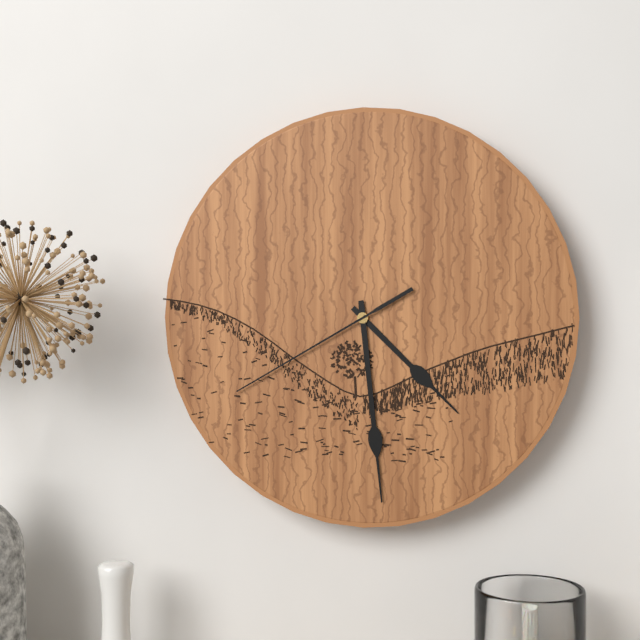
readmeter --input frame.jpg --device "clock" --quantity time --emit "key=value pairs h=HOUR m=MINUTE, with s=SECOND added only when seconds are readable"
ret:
h=4 m=29 s=40
